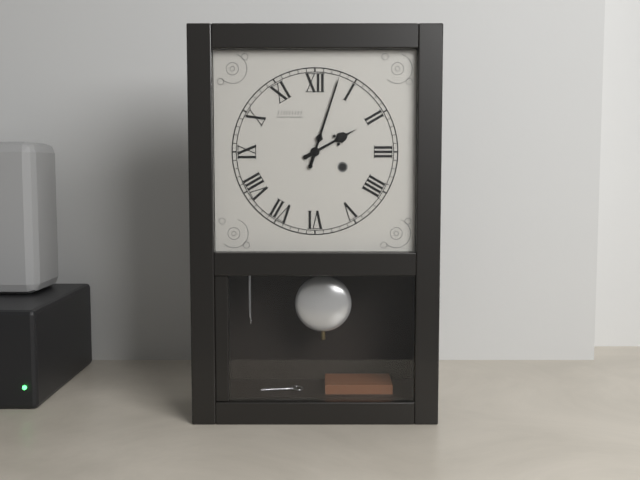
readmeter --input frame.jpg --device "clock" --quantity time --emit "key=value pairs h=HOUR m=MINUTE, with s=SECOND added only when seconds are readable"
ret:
h=2 m=3
